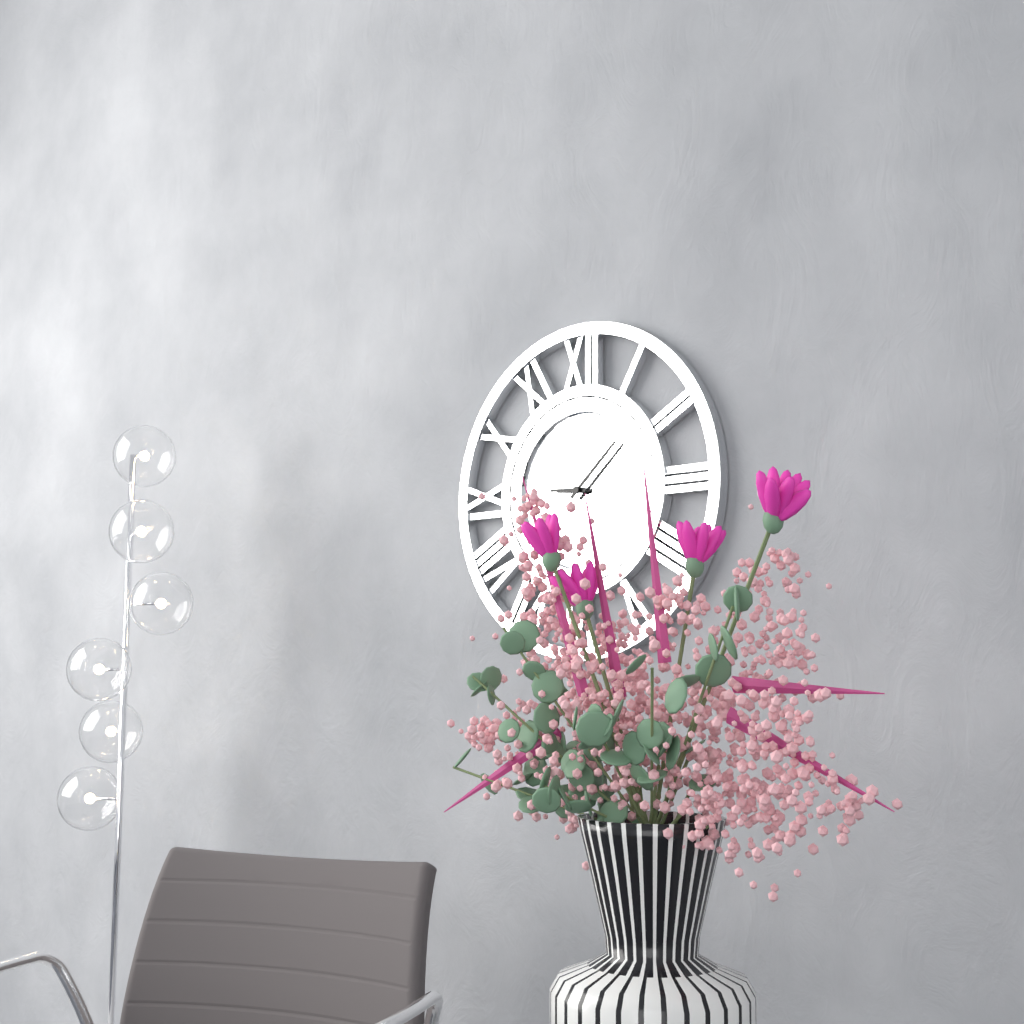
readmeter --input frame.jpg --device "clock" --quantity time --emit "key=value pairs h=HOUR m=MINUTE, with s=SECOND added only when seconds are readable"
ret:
h=9 m=8
